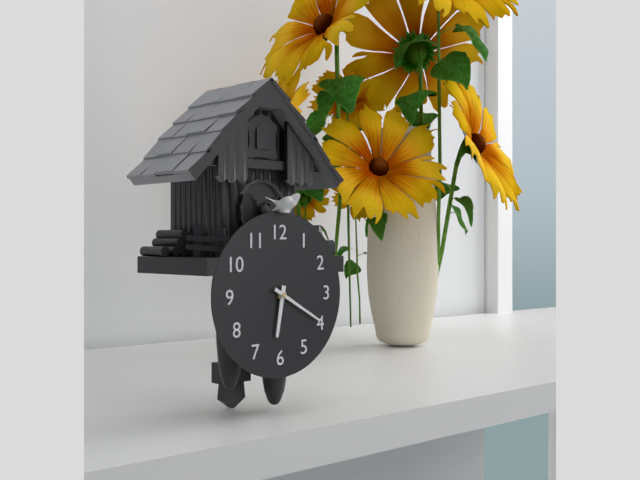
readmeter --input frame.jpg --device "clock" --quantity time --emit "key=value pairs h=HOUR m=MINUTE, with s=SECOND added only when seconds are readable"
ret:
h=6 m=20
